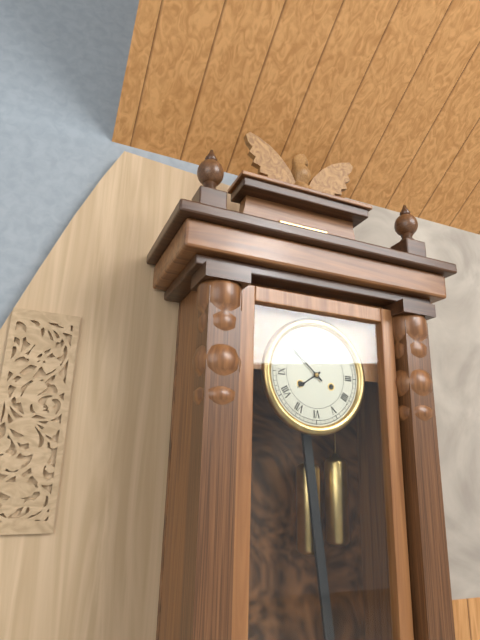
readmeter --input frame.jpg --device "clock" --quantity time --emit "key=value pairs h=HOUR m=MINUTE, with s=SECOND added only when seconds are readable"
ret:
h=7 m=52
